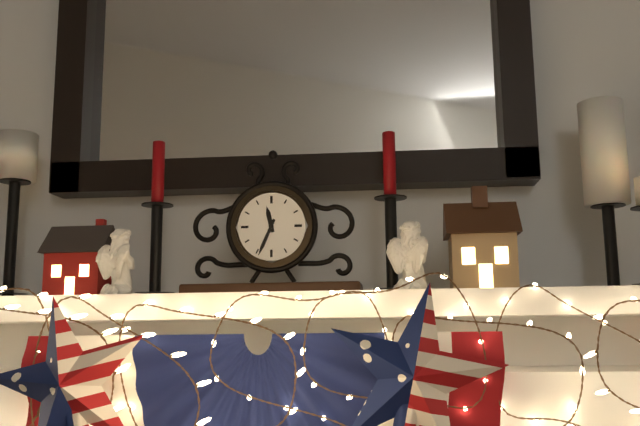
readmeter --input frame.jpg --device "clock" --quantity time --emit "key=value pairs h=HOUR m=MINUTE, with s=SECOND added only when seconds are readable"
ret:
h=11 m=34
